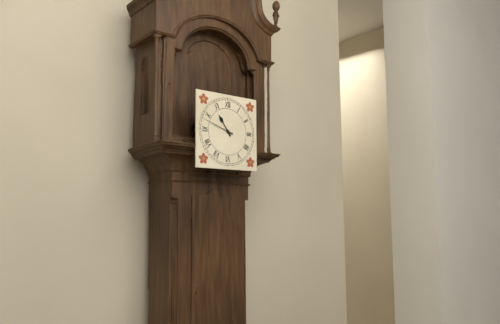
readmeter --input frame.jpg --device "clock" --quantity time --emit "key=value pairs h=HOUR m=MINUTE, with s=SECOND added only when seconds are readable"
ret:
h=10 m=48
